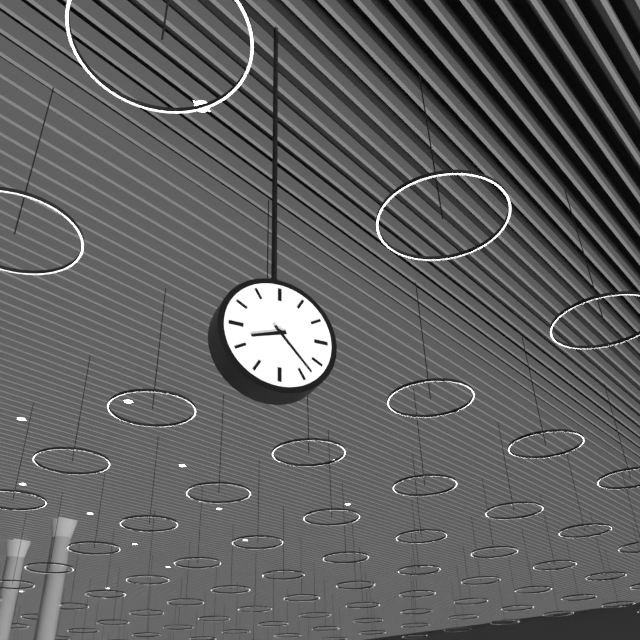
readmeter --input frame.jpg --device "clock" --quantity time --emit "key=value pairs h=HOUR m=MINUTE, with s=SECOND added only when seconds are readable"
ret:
h=8 m=23
